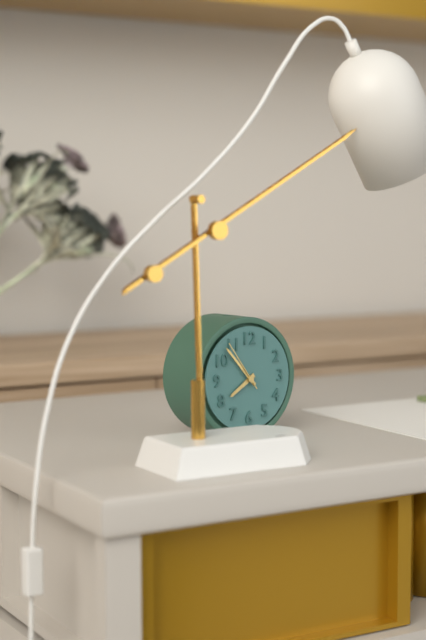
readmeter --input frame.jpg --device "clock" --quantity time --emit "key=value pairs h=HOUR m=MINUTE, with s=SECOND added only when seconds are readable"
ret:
h=7 m=53 s=54
